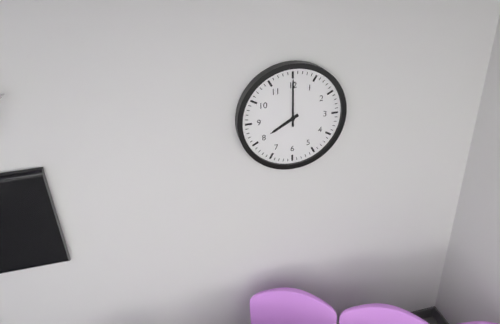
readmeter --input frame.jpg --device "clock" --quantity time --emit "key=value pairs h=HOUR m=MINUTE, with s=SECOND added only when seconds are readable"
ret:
h=8 m=0
